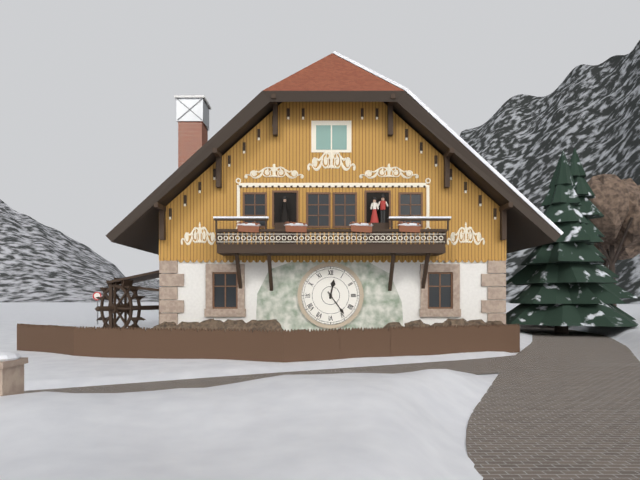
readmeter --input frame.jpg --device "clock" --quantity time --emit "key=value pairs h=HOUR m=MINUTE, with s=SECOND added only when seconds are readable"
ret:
h=12 m=24
